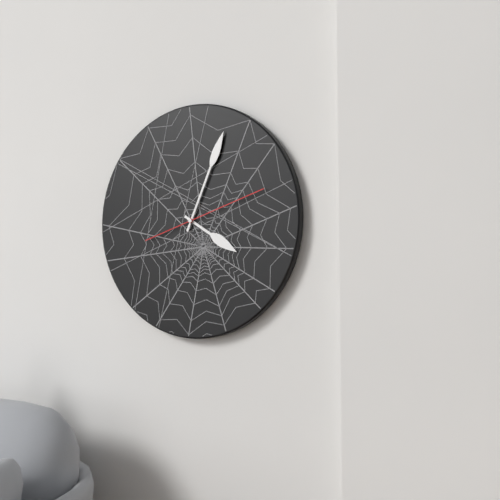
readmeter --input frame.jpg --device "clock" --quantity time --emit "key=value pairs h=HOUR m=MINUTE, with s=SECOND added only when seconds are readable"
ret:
h=4 m=4 s=12
